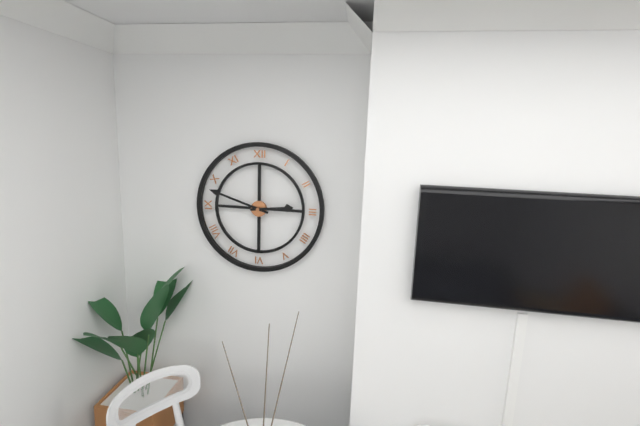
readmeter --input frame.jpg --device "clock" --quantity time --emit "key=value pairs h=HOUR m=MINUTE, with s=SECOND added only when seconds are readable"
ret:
h=2 m=48
